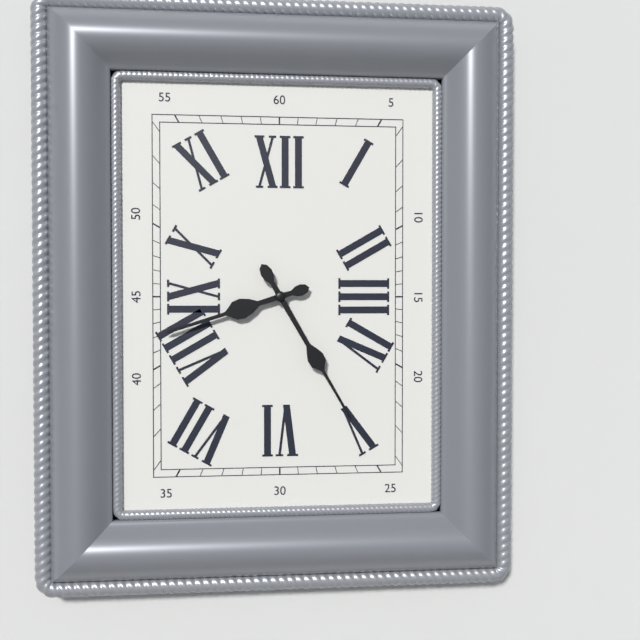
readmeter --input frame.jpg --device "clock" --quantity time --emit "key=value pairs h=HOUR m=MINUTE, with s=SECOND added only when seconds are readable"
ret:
h=8 m=25
